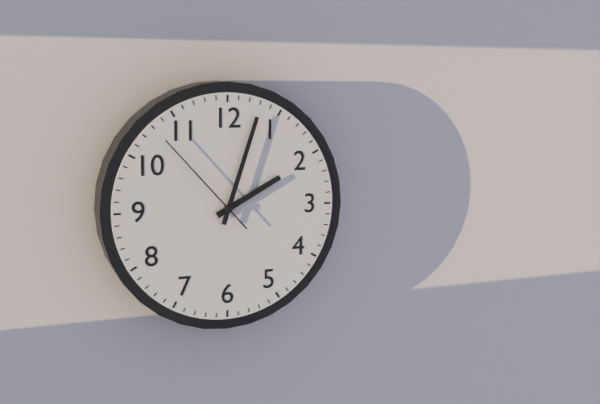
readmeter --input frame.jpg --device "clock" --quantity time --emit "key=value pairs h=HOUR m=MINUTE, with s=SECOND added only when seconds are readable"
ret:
h=2 m=3 s=53
